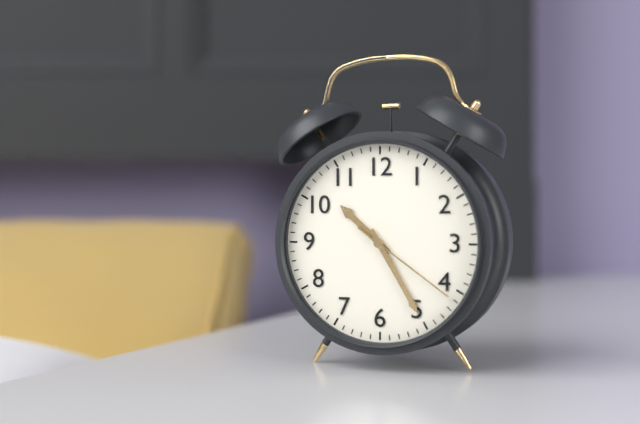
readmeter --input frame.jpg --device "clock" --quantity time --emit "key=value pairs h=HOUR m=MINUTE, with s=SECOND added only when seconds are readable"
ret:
h=10 m=25 s=21
